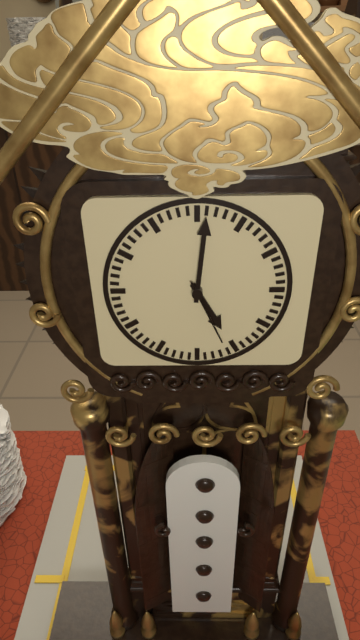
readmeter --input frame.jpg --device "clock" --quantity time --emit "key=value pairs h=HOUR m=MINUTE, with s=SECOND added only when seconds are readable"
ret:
h=5 m=1 s=26
